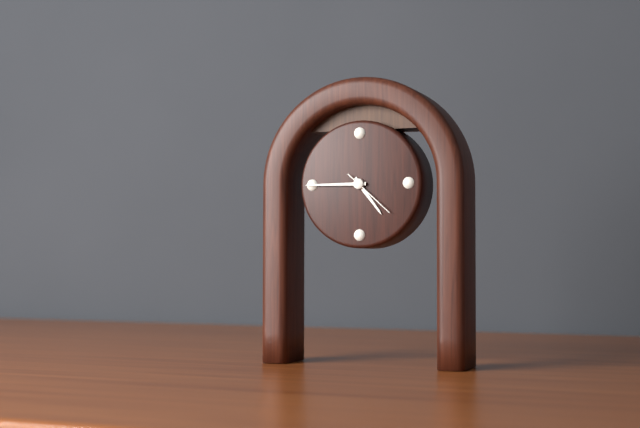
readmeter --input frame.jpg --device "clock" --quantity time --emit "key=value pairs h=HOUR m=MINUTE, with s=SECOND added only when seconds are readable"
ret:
h=4 m=45 s=22
